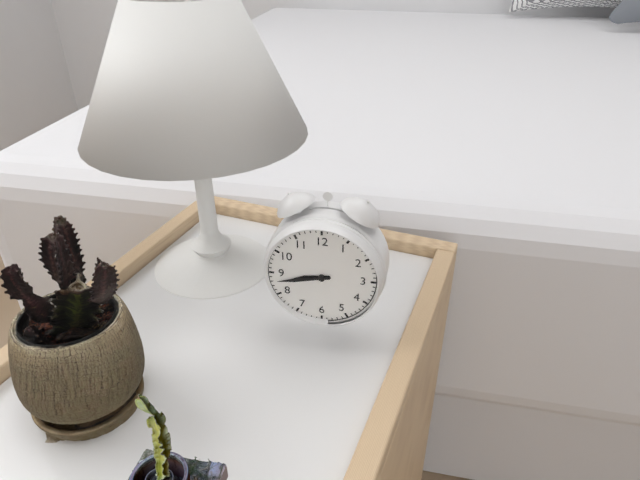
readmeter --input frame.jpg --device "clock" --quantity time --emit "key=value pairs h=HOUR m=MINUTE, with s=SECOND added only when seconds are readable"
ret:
h=8 m=43
